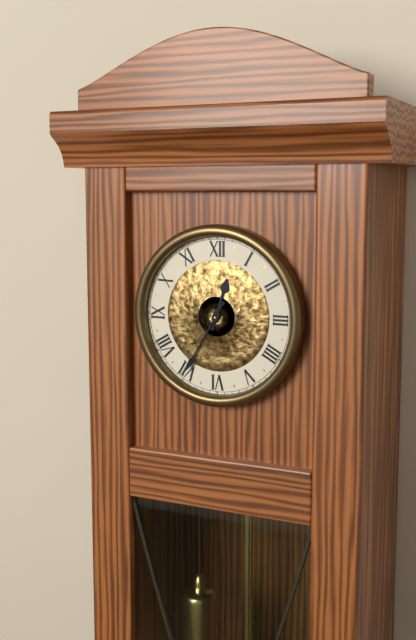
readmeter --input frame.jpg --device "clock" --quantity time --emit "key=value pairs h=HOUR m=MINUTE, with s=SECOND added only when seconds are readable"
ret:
h=12 m=35
